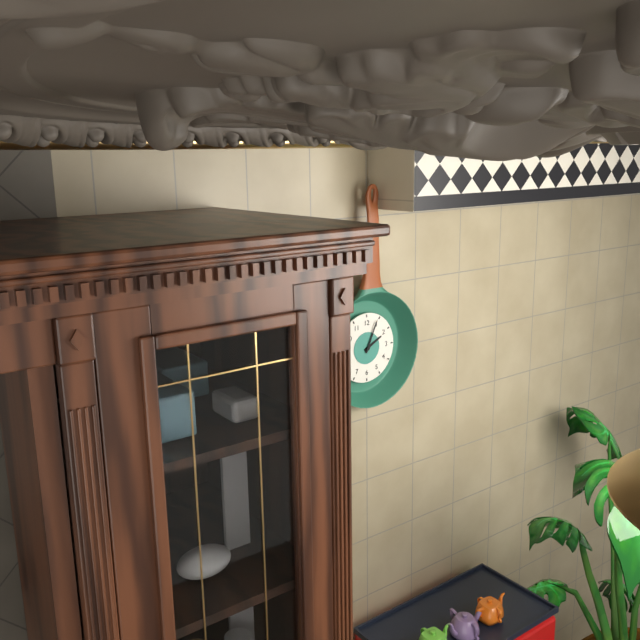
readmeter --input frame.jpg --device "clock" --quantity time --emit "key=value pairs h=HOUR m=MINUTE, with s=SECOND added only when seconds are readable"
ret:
h=2 m=4
